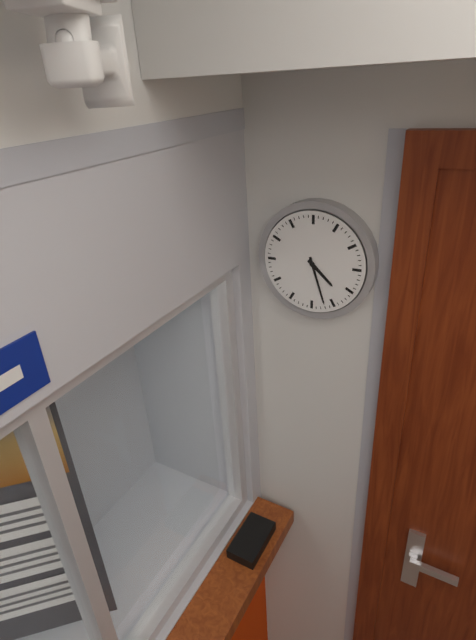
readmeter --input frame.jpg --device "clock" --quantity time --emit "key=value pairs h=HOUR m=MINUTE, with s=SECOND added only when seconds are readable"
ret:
h=4 m=27
